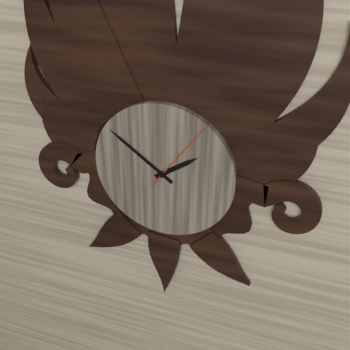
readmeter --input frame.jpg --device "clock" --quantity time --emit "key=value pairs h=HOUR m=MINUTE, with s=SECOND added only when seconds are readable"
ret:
h=1 m=51 s=6
